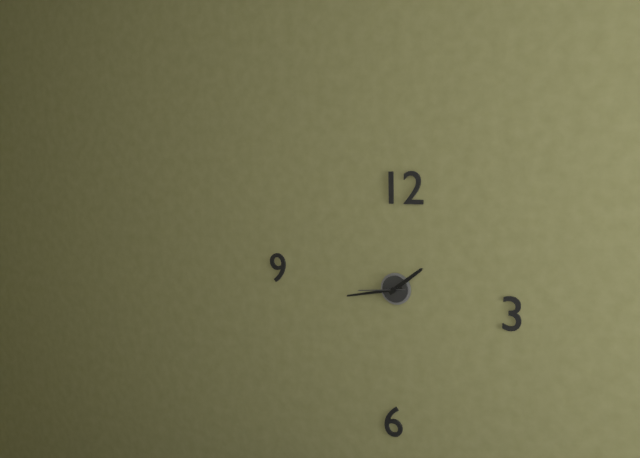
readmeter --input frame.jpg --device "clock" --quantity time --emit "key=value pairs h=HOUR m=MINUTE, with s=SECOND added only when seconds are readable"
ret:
h=1 m=43
